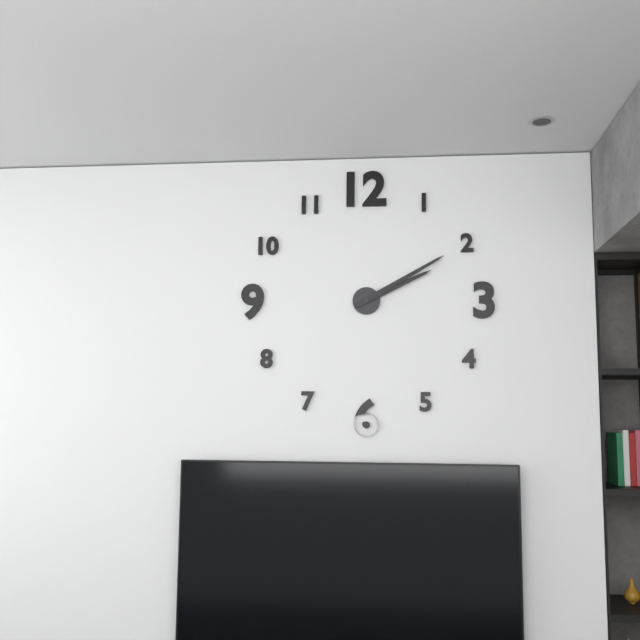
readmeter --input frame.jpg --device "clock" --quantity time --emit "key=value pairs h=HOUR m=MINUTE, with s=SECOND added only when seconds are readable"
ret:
h=2 m=10
